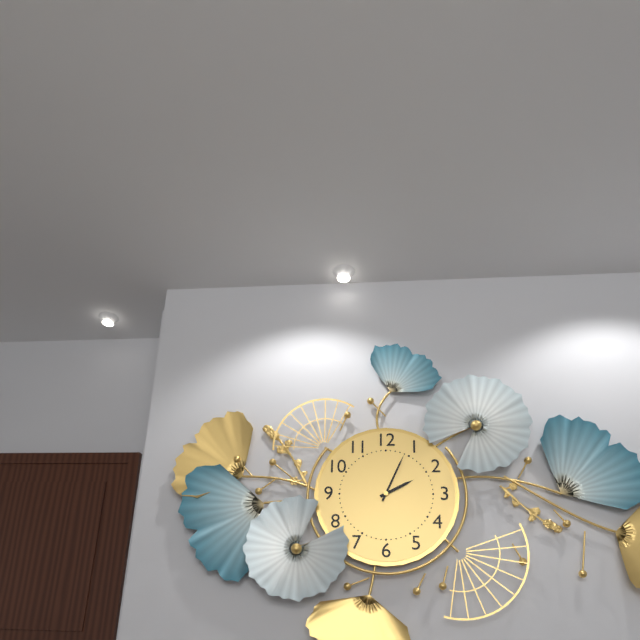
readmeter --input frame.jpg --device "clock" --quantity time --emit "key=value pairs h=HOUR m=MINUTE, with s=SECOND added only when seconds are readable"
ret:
h=2 m=4
